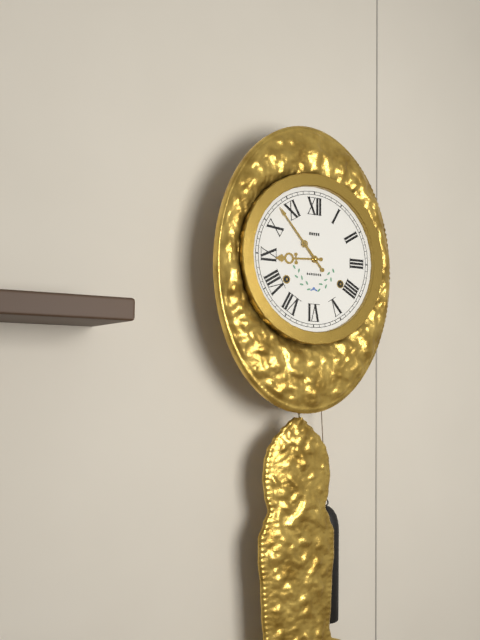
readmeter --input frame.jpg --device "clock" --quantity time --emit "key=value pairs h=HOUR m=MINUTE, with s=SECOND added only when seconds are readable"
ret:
h=8 m=53
